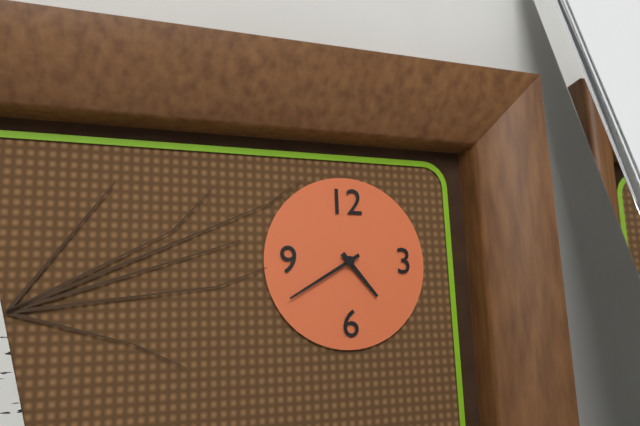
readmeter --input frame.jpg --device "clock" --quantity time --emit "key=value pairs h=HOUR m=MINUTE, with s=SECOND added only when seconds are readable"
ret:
h=4 m=40
